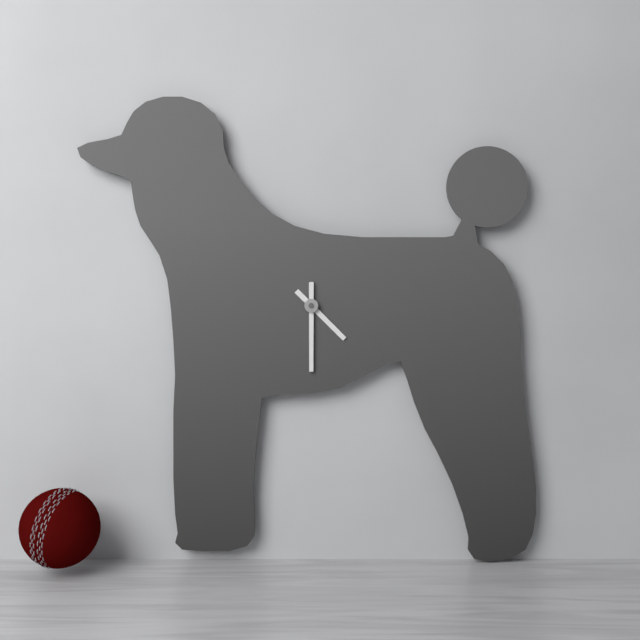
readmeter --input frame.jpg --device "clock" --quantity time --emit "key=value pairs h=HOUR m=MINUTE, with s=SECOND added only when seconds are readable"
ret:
h=4 m=30
